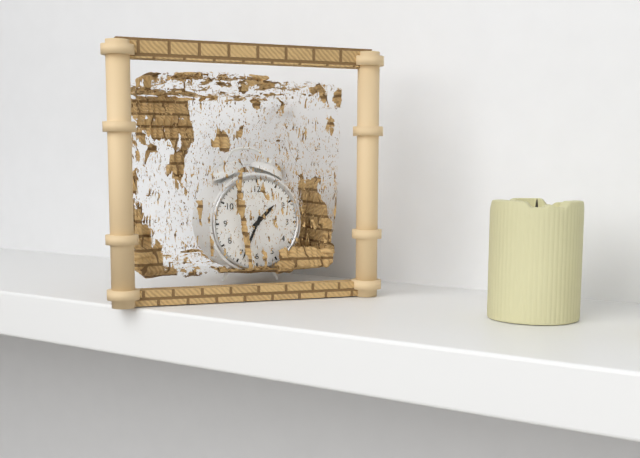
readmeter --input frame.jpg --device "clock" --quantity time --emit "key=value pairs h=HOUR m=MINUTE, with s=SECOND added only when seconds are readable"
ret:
h=1 m=34
